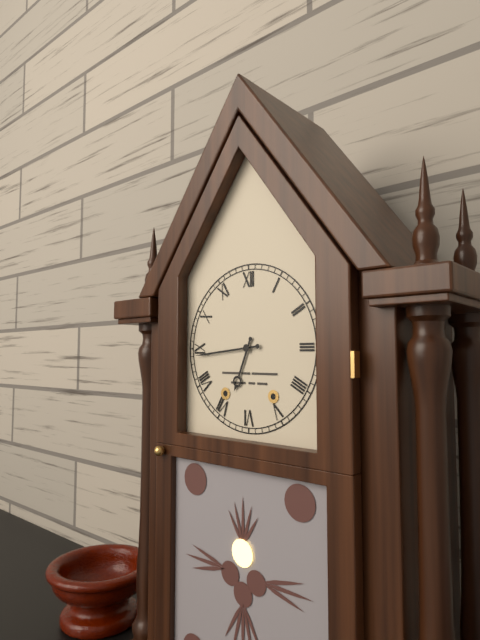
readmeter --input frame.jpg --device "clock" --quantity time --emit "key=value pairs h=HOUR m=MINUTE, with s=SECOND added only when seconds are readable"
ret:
h=6 m=44
